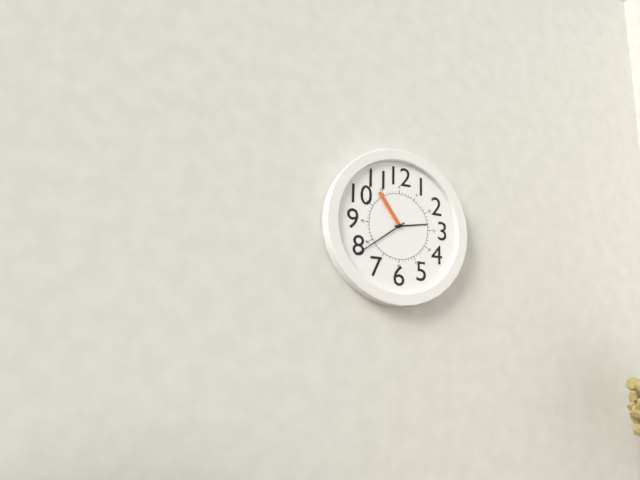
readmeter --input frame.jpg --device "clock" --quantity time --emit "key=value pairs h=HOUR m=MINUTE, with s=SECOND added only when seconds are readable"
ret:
h=2 m=39
